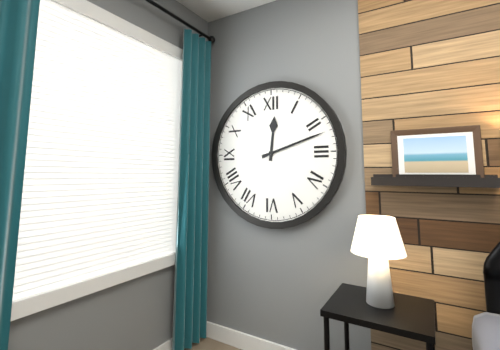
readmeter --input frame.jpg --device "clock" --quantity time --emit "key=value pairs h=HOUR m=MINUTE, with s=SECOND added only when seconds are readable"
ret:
h=12 m=12
